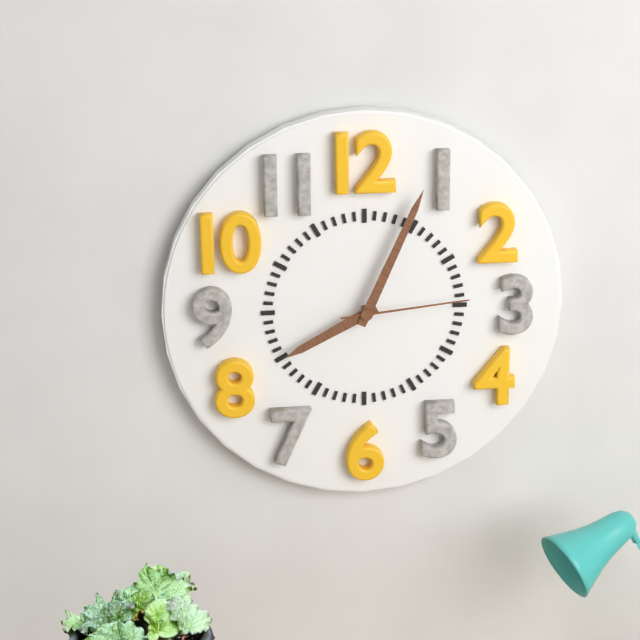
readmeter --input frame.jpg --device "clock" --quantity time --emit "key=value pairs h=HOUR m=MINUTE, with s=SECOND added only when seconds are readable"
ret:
h=8 m=4 s=14
